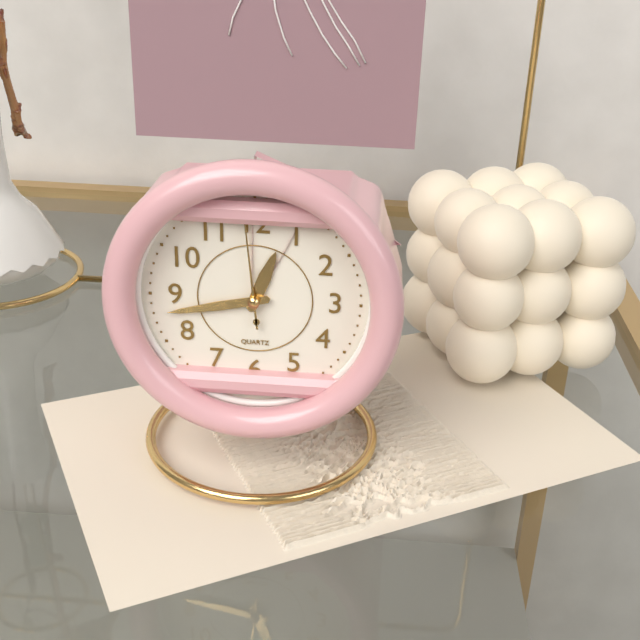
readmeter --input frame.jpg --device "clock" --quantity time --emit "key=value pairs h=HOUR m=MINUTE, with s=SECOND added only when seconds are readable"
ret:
h=12 m=43 s=59
